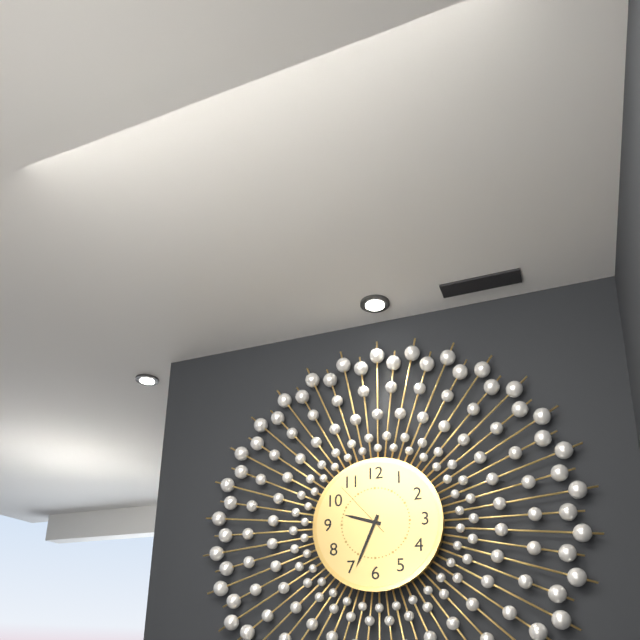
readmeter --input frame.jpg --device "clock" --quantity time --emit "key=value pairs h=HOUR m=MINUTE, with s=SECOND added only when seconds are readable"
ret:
h=9 m=34 s=53
